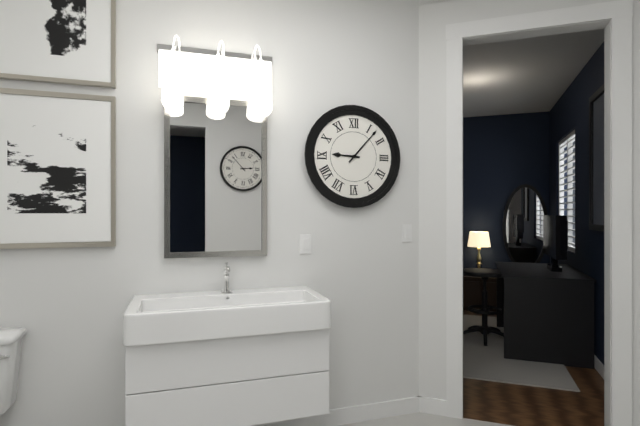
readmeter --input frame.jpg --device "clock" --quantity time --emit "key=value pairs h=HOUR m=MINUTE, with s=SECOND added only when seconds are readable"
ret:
h=9 m=7
